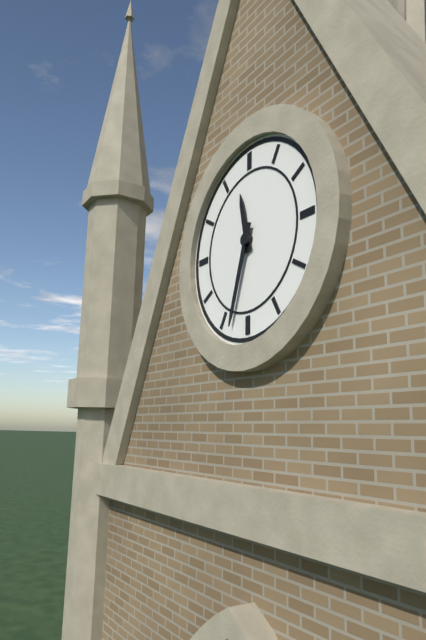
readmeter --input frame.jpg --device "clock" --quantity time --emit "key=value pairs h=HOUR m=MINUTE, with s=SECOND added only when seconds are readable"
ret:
h=11 m=33
